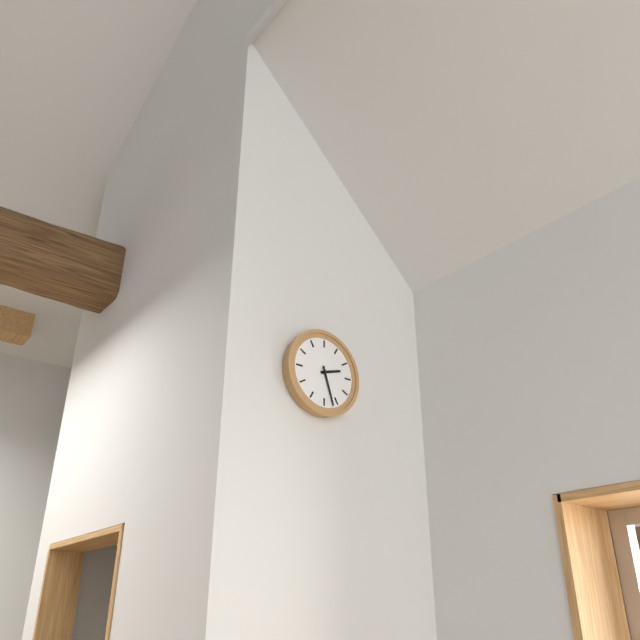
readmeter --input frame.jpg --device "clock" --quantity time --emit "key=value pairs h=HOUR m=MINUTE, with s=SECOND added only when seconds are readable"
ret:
h=2 m=27
